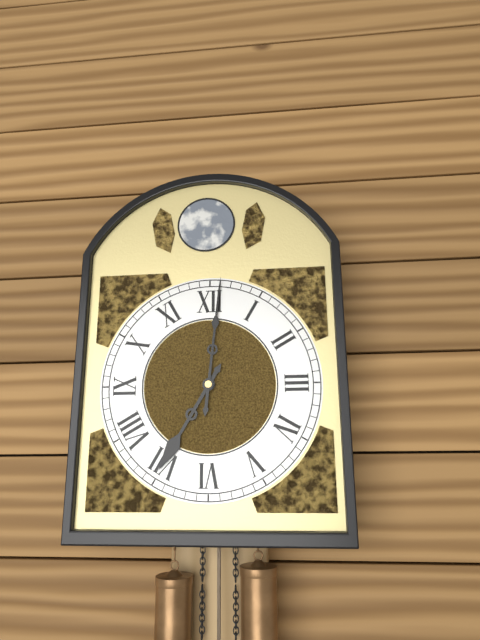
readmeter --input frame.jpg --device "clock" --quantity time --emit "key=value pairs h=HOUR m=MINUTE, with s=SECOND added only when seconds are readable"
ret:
h=7 m=1
